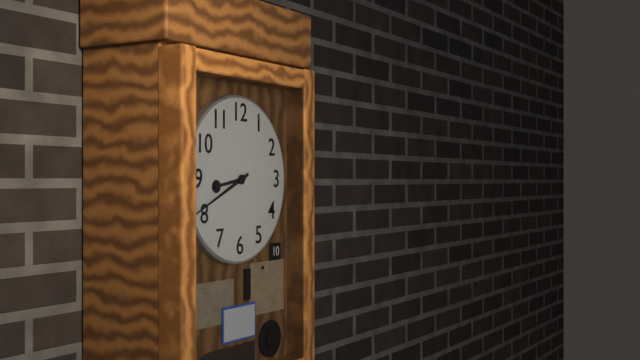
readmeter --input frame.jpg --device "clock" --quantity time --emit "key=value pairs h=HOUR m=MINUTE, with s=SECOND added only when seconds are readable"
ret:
h=8 m=41
